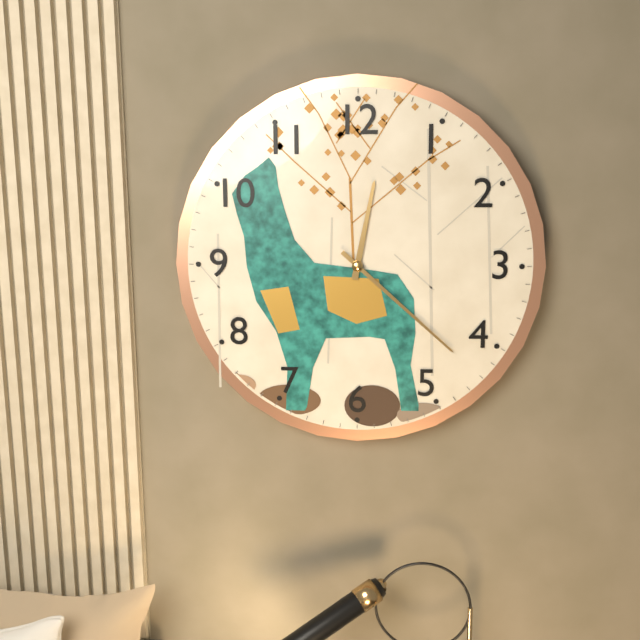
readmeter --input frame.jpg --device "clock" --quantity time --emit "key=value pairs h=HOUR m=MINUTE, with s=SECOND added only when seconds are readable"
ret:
h=12 m=22
